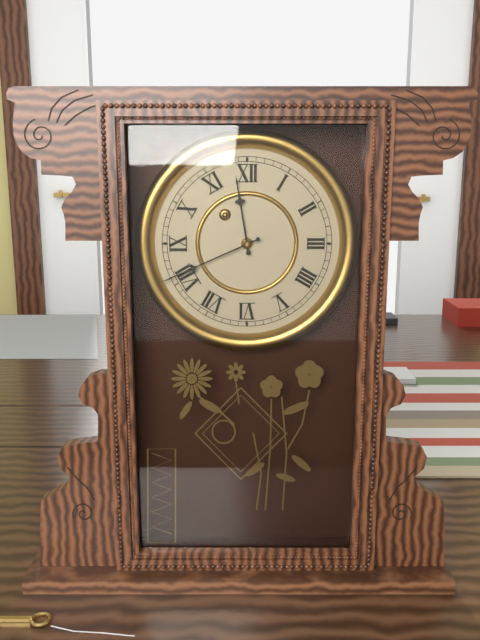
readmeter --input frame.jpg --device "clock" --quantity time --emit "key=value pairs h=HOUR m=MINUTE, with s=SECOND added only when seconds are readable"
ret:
h=11 m=41
